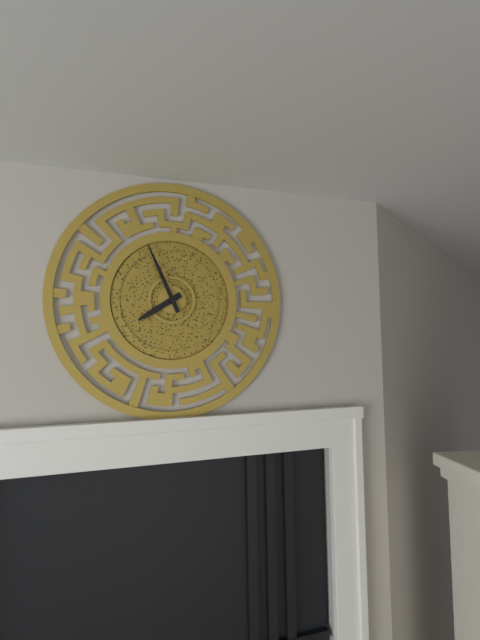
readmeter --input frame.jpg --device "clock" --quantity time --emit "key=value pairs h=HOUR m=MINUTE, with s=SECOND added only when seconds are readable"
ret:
h=7 m=56
